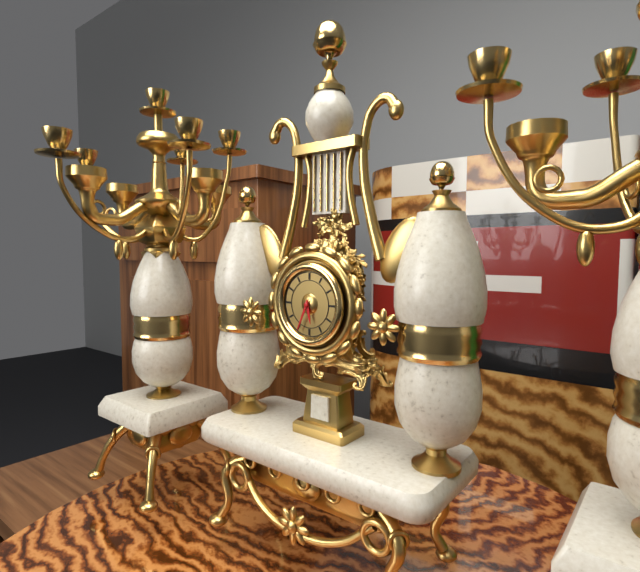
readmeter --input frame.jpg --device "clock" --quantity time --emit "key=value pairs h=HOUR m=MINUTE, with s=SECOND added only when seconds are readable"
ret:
h=5 m=34
